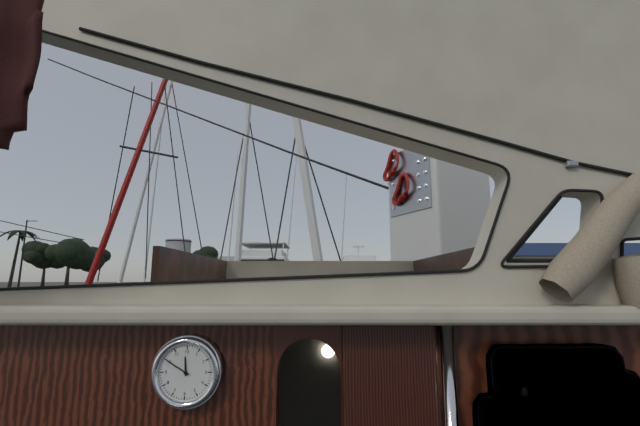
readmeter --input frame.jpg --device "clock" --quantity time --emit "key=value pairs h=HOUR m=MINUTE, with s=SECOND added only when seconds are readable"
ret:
h=11 m=50
